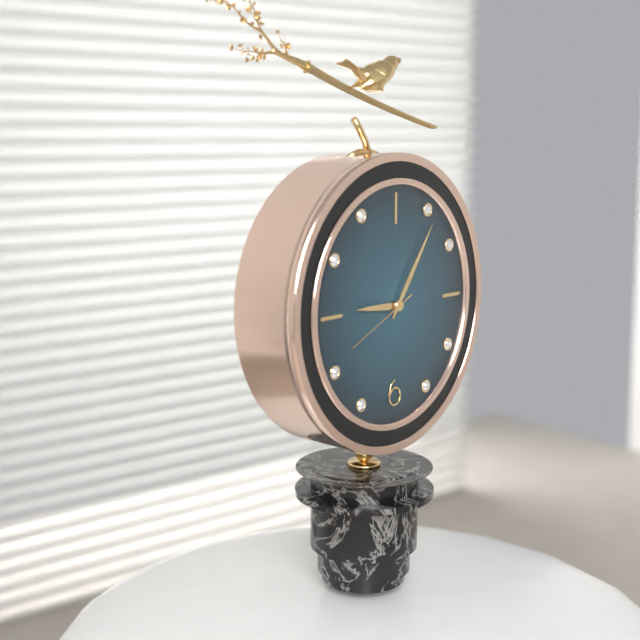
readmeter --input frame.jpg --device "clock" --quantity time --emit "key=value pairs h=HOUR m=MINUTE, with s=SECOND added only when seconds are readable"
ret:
h=9 m=6 s=41
